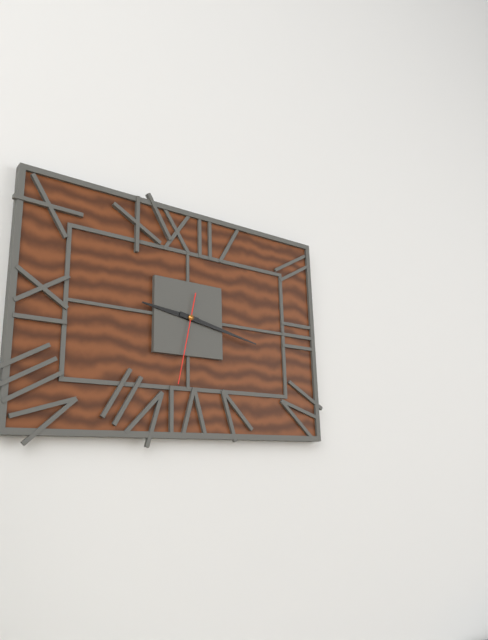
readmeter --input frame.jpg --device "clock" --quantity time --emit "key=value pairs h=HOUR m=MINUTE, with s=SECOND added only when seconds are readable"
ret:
h=9 m=17 s=32
